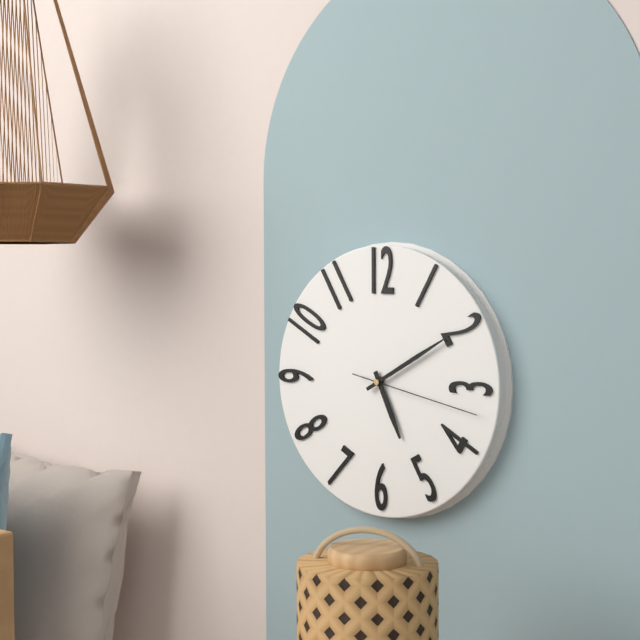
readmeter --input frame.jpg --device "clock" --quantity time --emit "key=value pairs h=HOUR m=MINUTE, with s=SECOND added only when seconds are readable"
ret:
h=5 m=10 s=17
